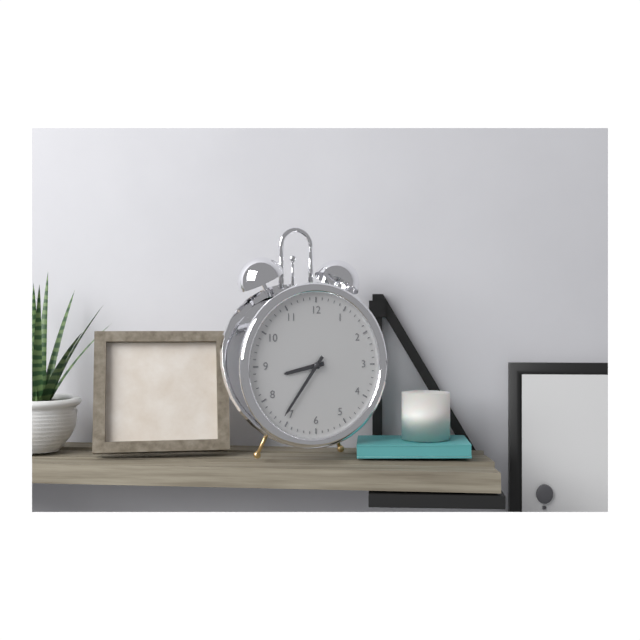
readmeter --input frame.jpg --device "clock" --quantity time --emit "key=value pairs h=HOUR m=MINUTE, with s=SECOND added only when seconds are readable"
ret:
h=8 m=36
